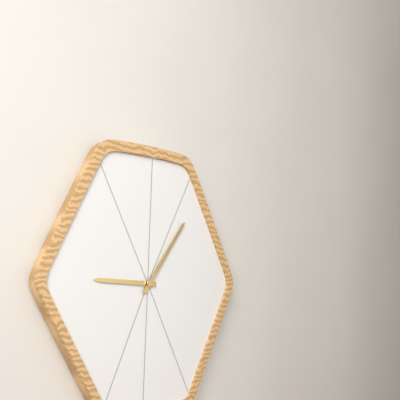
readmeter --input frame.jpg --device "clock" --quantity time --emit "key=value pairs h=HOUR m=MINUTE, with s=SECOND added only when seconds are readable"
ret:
h=9 m=6
